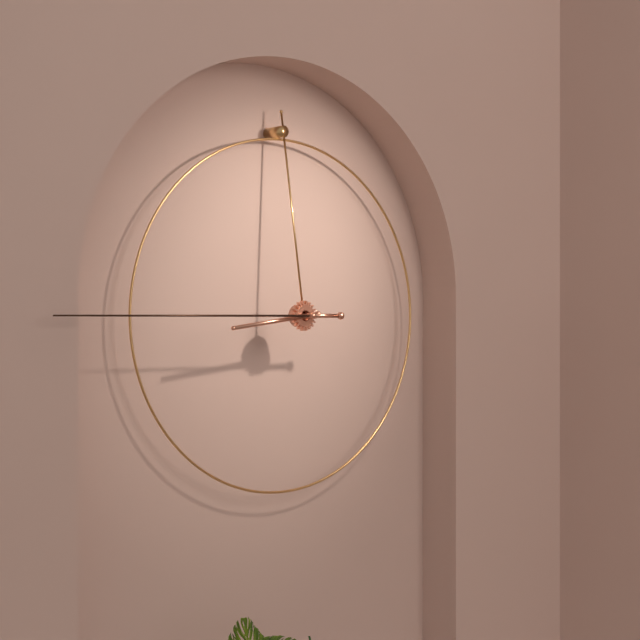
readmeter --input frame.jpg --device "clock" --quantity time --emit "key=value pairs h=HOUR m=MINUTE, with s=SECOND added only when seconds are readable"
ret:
h=8 m=45
